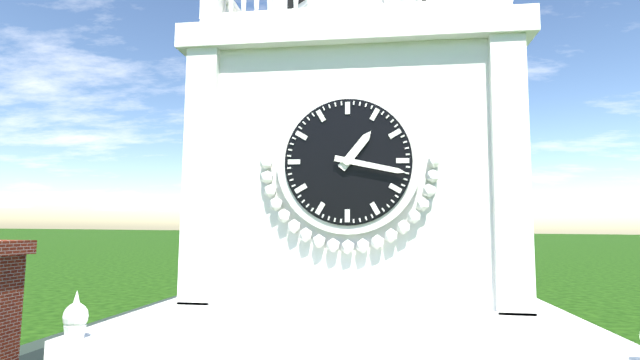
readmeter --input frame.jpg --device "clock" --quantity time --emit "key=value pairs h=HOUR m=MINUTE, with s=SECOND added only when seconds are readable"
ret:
h=1 m=17
